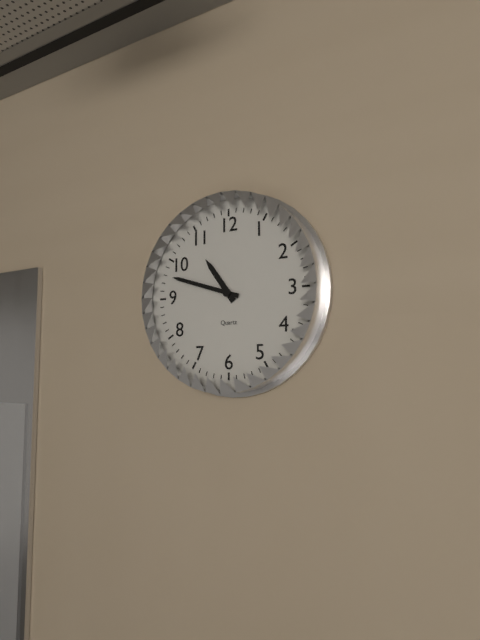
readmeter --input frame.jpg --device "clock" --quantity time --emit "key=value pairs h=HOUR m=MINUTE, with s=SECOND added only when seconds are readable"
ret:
h=10 m=48
